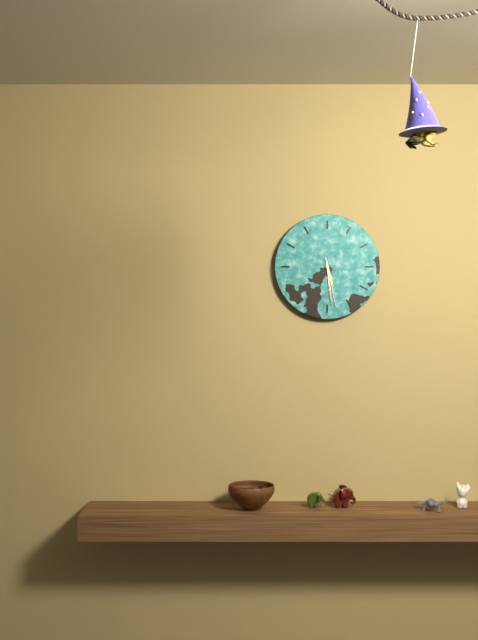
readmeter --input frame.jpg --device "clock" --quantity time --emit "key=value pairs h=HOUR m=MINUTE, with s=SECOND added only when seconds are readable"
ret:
h=5 m=29 s=28
